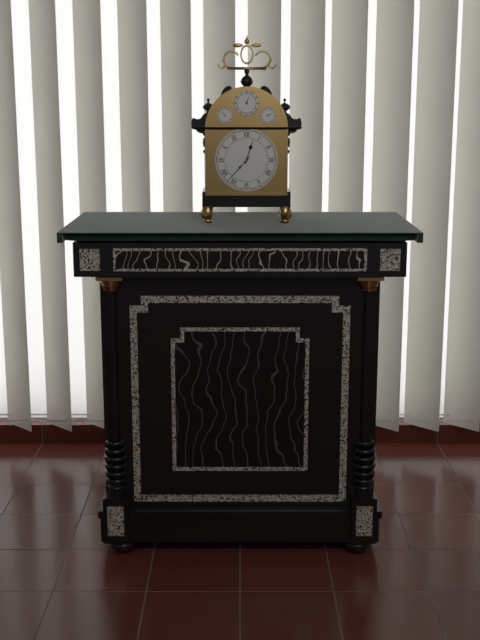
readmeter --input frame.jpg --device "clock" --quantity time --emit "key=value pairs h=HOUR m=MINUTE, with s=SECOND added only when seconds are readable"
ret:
h=12 m=37
